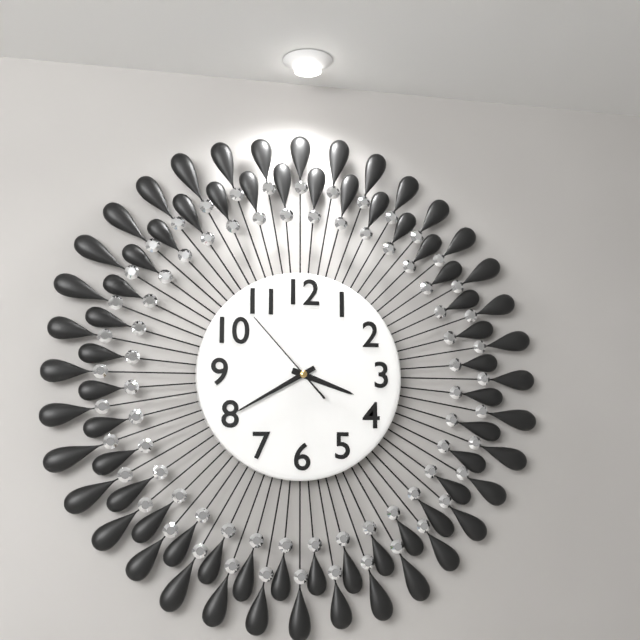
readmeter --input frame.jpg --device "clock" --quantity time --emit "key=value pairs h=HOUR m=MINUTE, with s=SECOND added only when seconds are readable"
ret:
h=3 m=40 s=53
